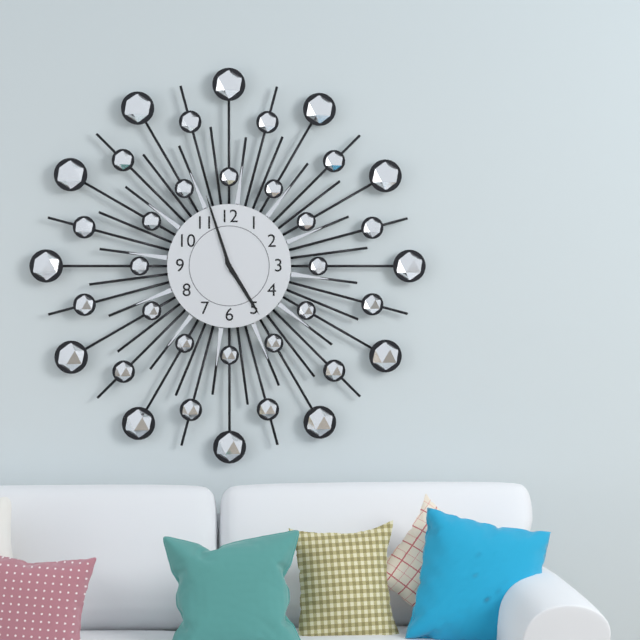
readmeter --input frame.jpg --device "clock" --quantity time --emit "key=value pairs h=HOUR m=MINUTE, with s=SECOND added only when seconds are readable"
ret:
h=4 m=57
